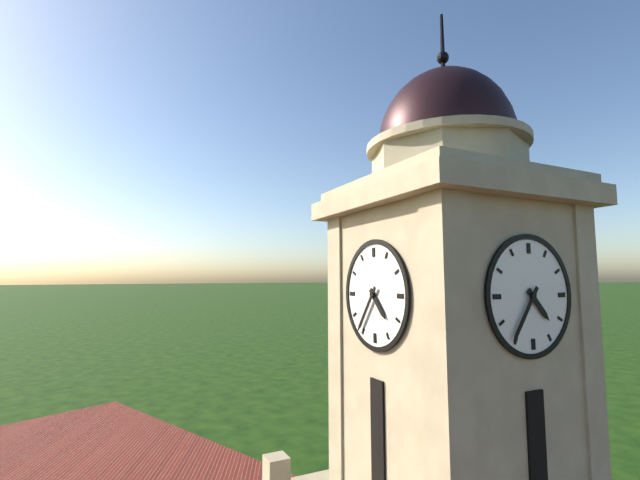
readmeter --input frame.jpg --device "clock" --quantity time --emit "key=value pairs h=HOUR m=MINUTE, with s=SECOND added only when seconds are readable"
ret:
h=4 m=36
